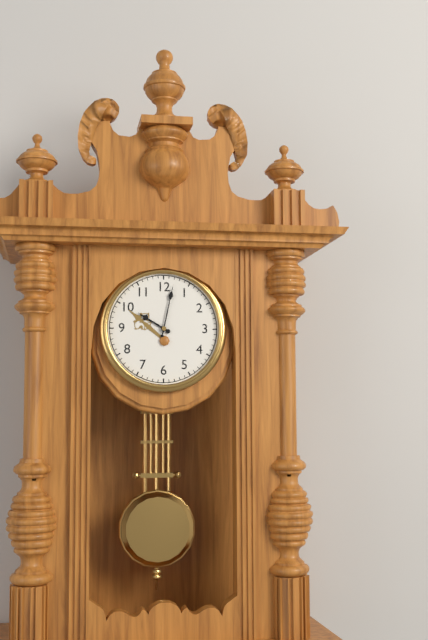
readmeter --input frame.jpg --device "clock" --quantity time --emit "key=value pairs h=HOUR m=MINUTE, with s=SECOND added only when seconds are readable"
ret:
h=10 m=2
